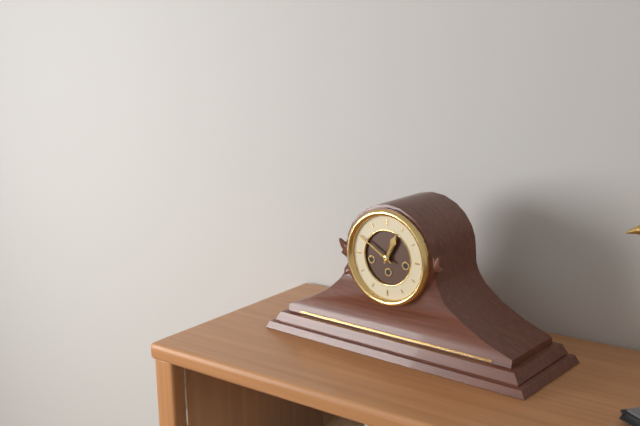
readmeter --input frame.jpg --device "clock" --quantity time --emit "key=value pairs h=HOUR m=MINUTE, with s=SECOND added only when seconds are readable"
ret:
h=12 m=50
